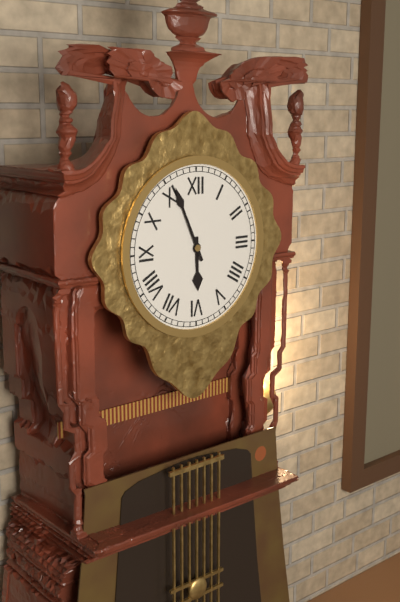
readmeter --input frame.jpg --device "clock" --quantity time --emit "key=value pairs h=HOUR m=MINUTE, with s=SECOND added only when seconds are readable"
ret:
h=5 m=56
